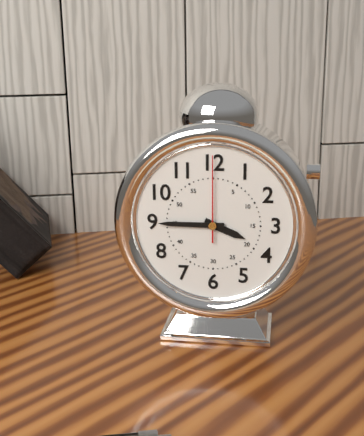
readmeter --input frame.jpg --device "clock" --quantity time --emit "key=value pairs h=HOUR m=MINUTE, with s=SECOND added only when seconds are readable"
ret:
h=3 m=45 s=0
